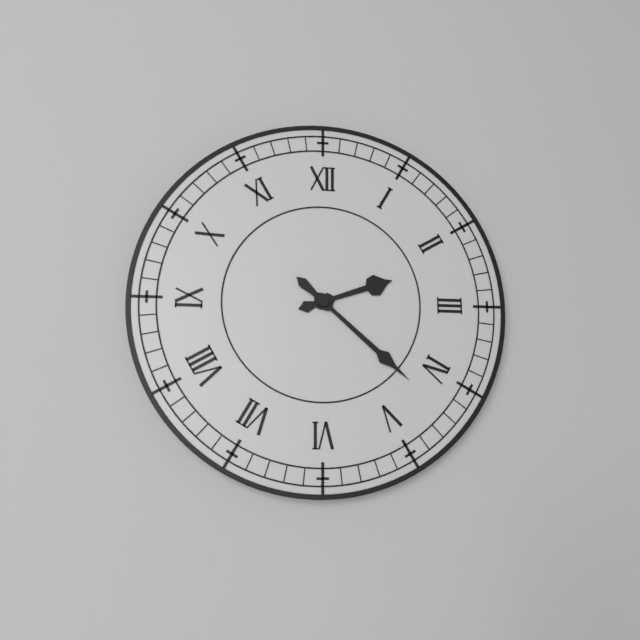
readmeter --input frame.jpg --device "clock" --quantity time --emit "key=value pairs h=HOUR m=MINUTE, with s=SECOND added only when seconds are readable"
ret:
h=2 m=22
